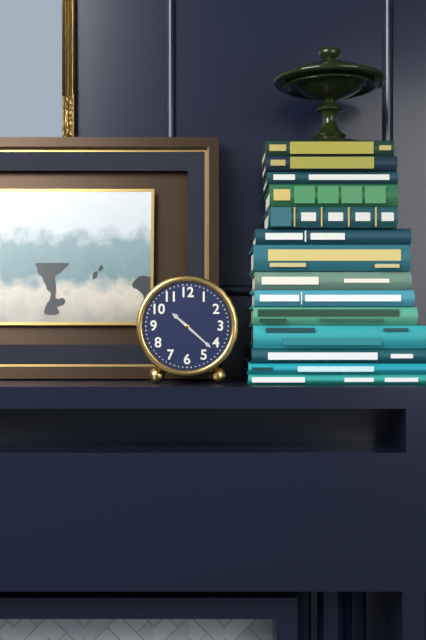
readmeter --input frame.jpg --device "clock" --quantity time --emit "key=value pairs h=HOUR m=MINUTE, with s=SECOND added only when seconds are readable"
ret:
h=10 m=22
